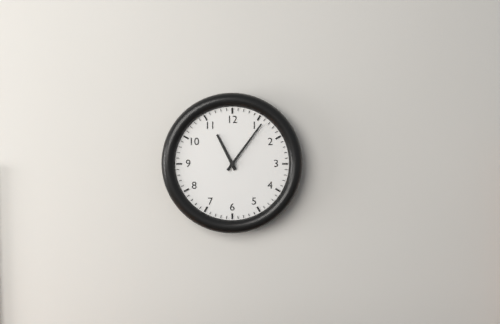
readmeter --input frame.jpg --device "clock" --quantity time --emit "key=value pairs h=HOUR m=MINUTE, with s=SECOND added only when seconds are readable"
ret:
h=11 m=6
